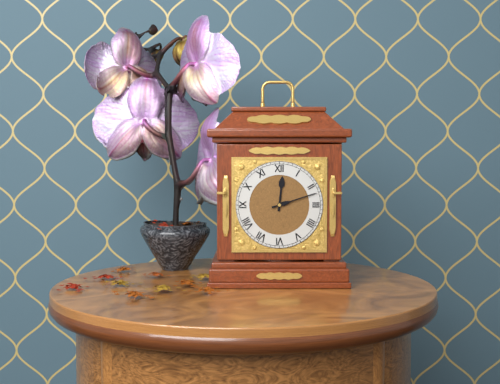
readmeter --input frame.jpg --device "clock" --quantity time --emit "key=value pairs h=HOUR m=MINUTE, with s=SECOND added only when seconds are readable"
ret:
h=12 m=12
